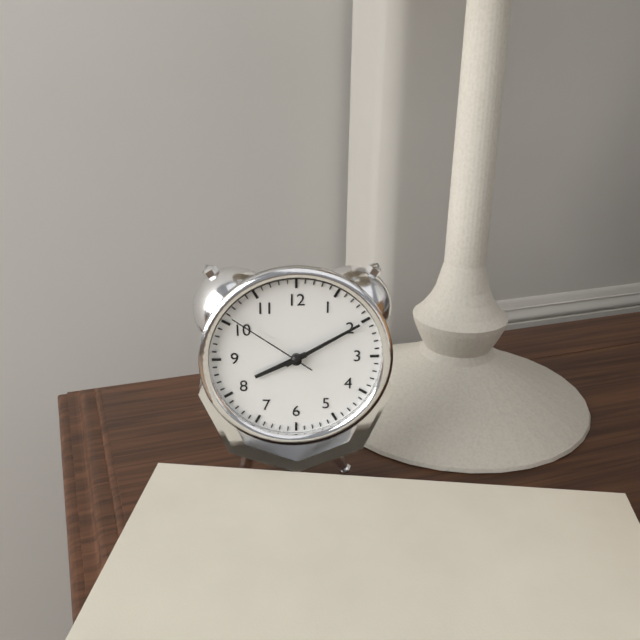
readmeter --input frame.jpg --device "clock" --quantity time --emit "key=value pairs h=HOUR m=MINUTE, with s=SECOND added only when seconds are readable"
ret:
h=8 m=10 s=51
